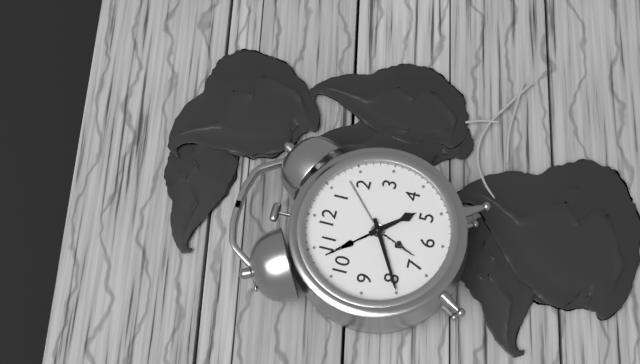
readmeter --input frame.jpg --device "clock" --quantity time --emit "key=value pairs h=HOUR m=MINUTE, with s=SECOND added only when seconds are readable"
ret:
h=4 m=40
